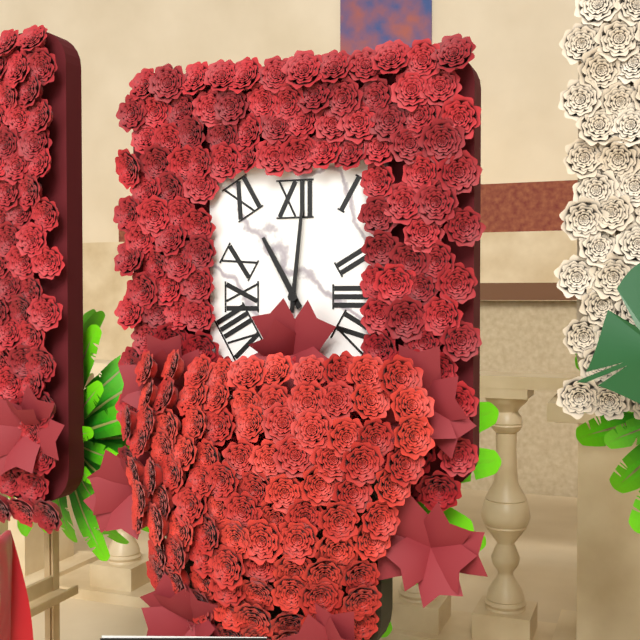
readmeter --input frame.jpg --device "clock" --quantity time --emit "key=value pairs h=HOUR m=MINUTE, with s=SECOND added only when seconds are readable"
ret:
h=11 m=1
